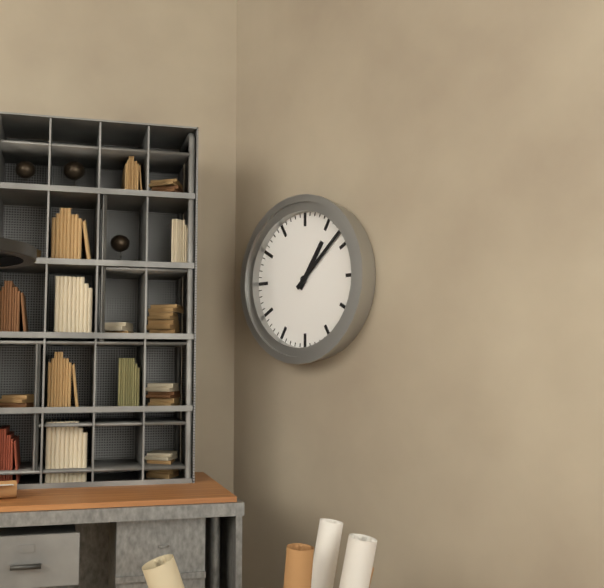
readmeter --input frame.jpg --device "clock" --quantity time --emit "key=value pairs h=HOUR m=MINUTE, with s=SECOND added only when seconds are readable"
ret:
h=1 m=8
